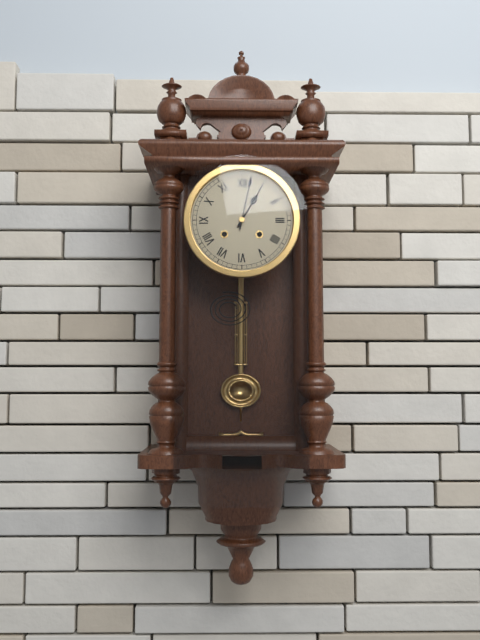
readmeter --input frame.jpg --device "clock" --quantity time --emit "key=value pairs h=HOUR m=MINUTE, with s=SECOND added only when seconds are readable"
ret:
h=1 m=2
